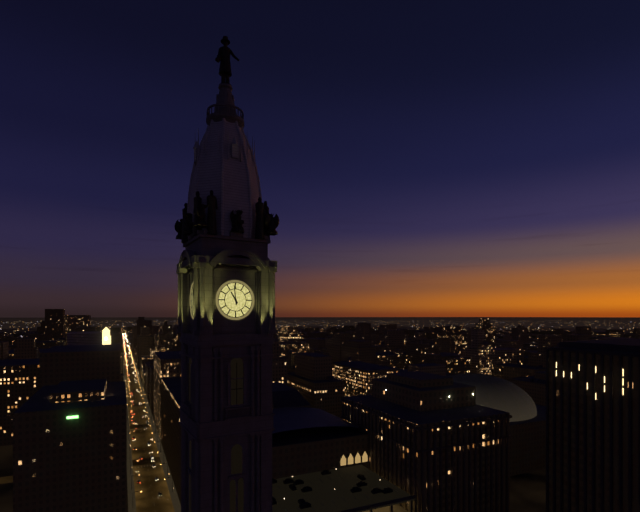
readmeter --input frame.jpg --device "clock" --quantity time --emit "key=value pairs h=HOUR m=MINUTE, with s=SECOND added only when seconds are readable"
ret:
h=10 m=59
